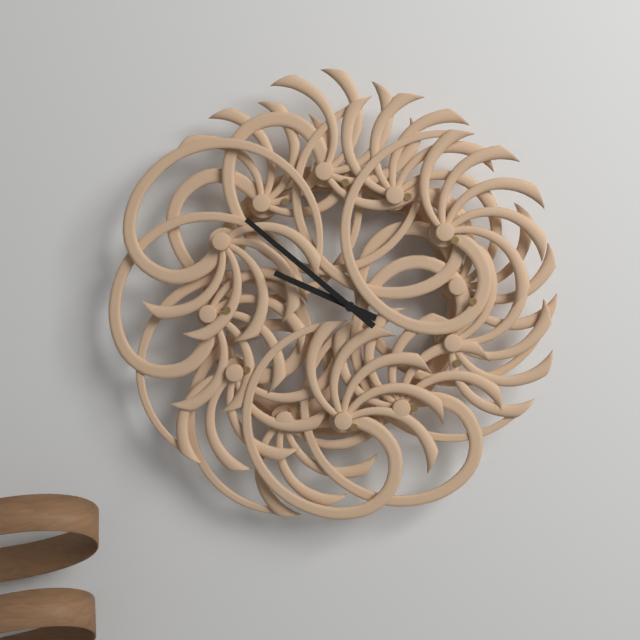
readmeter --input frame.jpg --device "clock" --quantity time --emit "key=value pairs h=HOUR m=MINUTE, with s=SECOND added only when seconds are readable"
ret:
h=9 m=52
